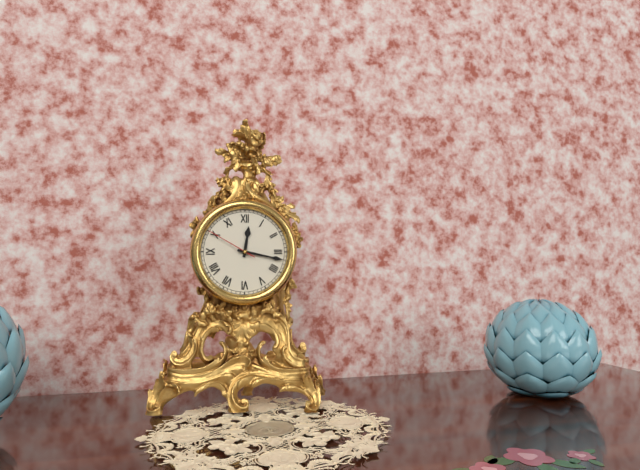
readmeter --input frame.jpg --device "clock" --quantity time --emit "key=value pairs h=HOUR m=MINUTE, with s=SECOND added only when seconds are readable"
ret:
h=12 m=17 s=50
